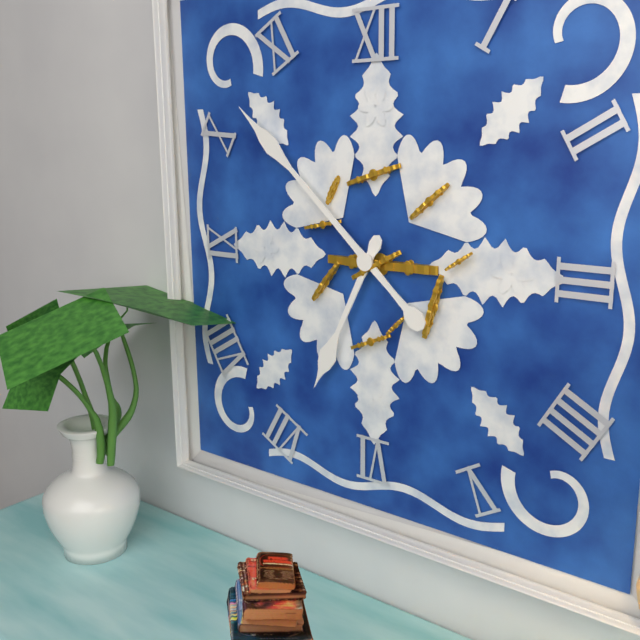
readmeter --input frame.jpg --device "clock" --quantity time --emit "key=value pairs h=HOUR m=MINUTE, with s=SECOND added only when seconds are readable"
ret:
h=6 m=52
